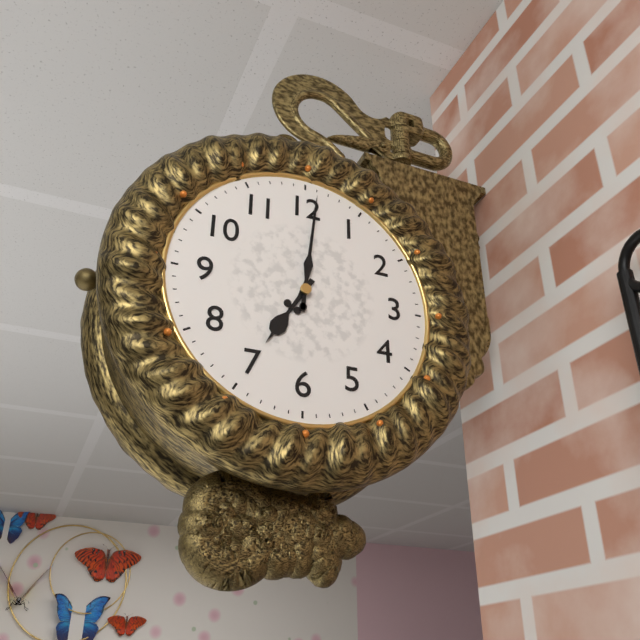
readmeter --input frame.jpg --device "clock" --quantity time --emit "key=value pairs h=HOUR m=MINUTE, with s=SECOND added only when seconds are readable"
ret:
h=7 m=1
